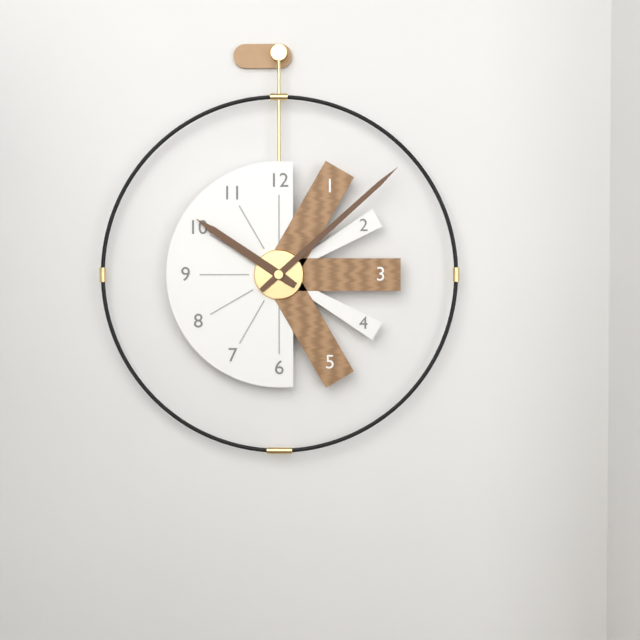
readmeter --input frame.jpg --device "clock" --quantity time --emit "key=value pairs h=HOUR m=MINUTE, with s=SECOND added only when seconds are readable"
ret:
h=10 m=8
